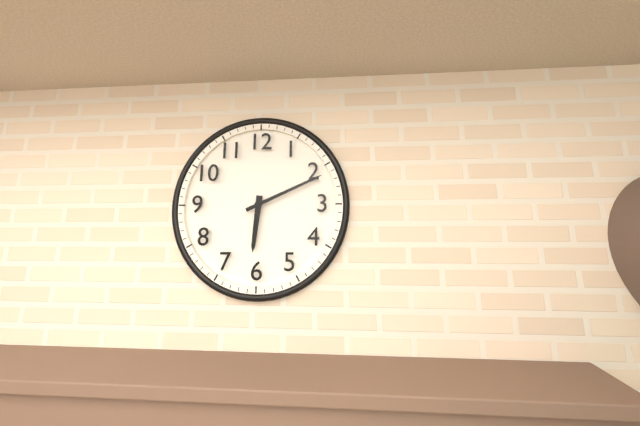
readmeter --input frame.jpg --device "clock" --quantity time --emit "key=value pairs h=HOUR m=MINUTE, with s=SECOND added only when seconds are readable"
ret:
h=6 m=11
